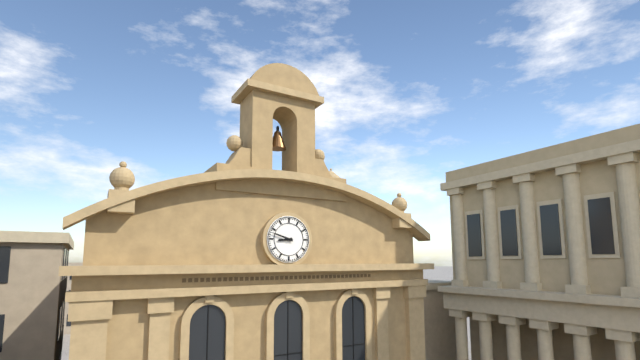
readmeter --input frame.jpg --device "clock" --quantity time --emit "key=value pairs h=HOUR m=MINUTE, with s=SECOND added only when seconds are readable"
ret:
h=8 m=48
